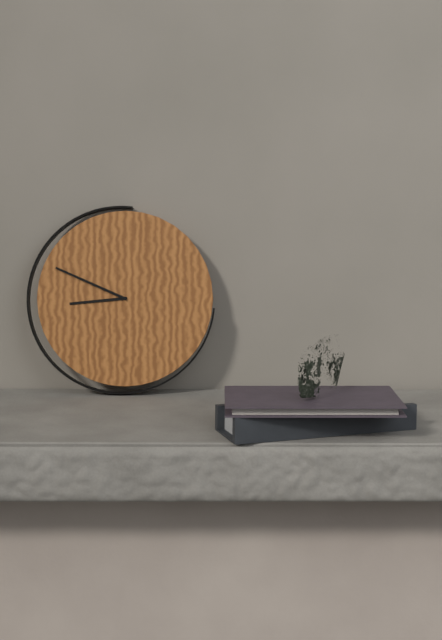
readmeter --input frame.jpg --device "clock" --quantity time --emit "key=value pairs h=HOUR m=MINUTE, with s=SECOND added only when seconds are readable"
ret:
h=8 m=49
